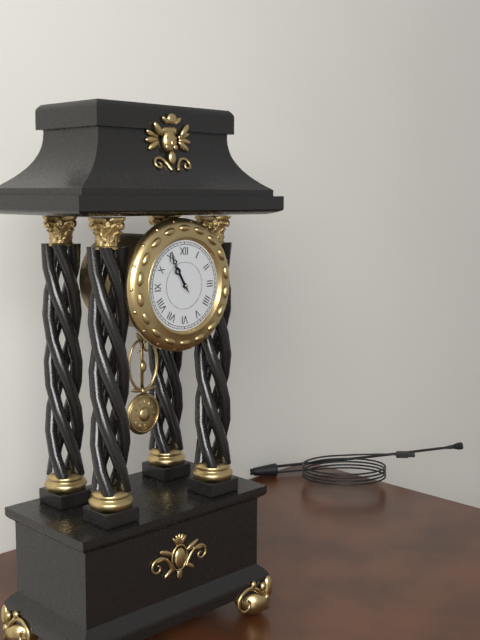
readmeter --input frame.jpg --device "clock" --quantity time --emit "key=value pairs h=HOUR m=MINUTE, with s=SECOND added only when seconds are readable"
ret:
h=10 m=55
